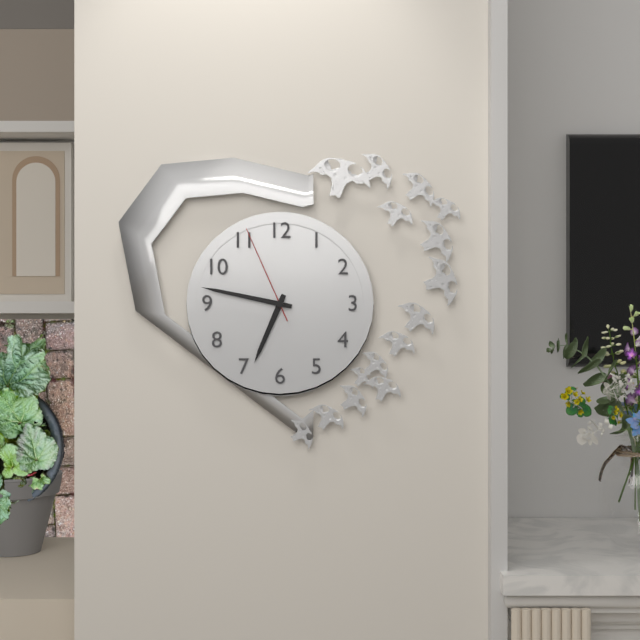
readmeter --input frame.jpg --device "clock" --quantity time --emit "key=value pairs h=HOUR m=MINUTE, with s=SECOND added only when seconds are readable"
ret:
h=6 m=47 s=56
